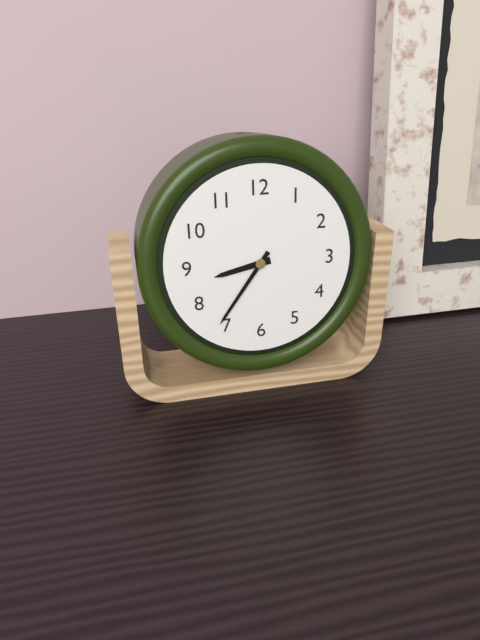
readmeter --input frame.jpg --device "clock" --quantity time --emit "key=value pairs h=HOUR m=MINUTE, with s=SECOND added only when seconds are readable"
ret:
h=8 m=36
